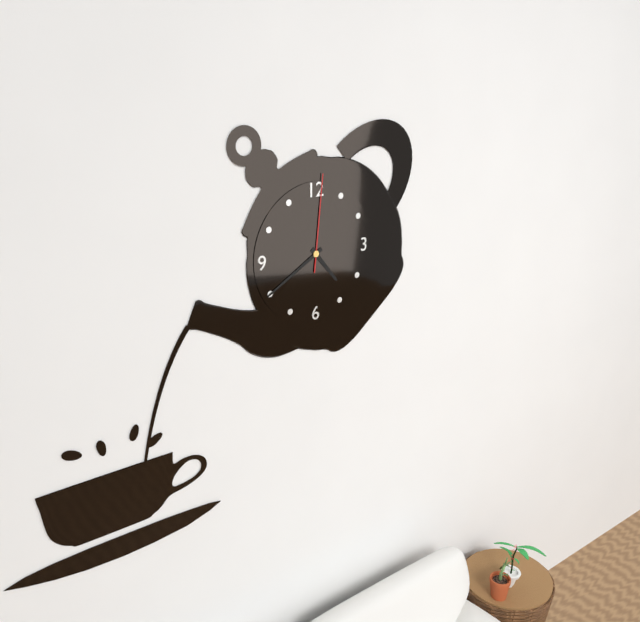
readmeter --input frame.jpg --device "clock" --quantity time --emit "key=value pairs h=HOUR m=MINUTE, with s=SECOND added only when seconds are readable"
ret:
h=4 m=40 s=1
